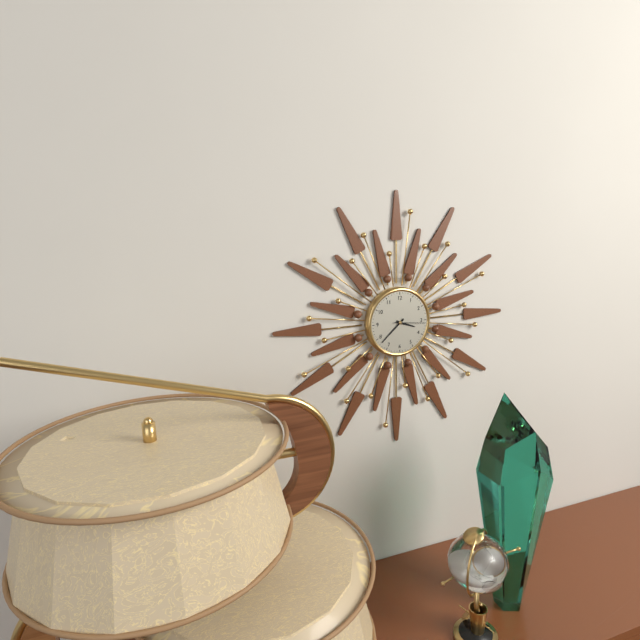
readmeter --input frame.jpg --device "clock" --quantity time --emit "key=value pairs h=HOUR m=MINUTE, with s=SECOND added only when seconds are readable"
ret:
h=3 m=38
